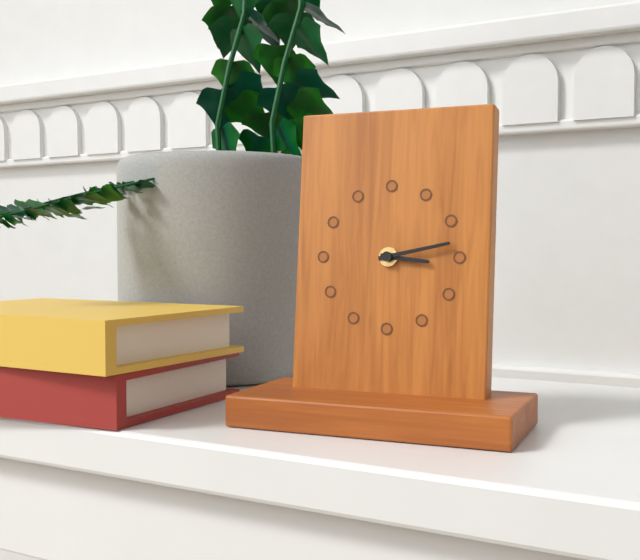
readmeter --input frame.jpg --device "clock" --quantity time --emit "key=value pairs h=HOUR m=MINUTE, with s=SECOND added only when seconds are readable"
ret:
h=3 m=13
